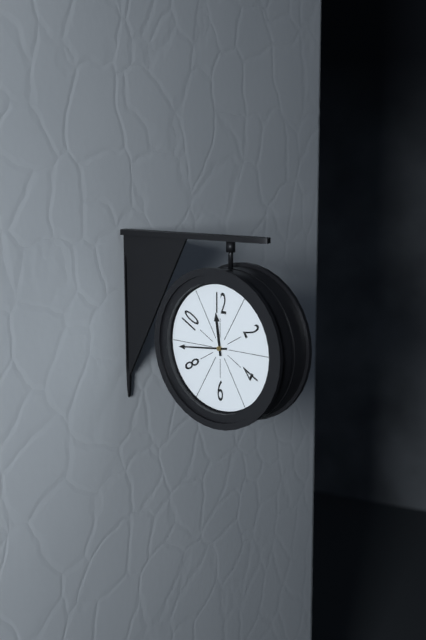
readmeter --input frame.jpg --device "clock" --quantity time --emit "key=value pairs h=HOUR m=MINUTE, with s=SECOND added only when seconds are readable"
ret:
h=11 m=44
